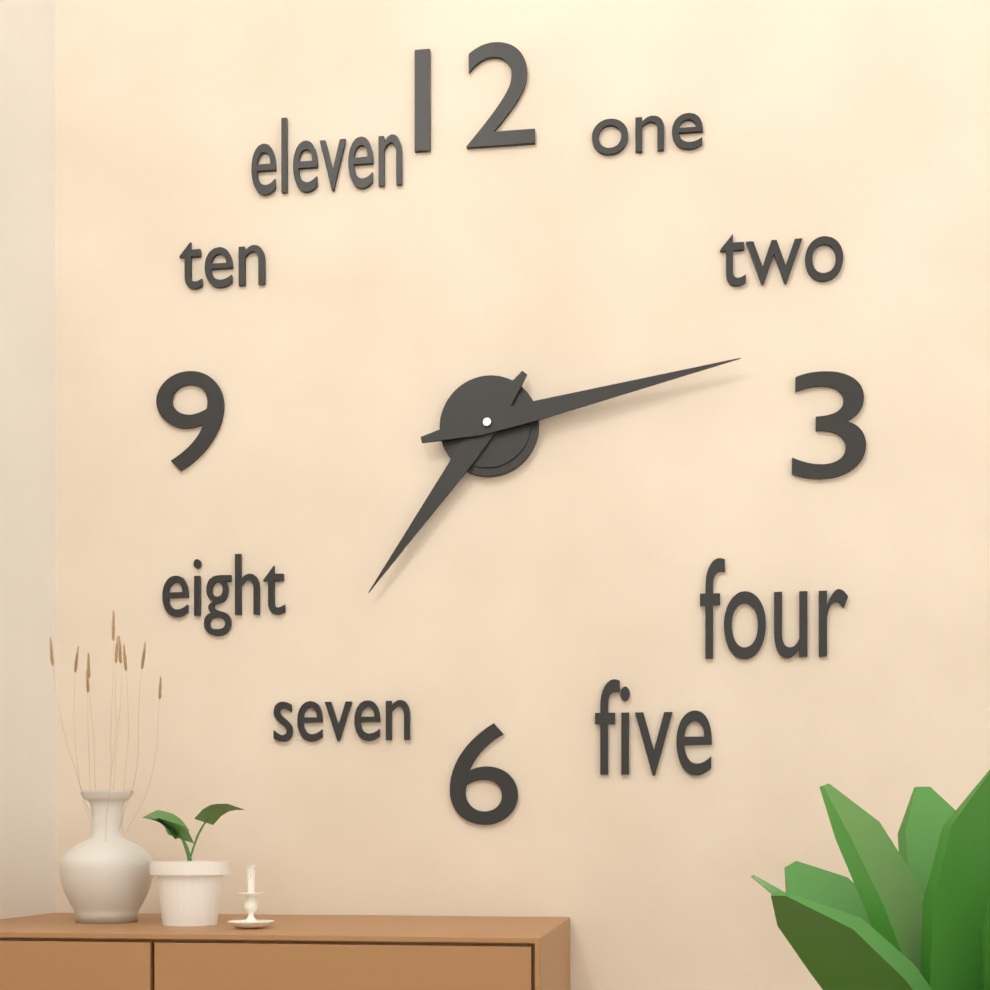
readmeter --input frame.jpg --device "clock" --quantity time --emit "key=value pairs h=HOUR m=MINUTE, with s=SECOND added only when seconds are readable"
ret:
h=7 m=13
